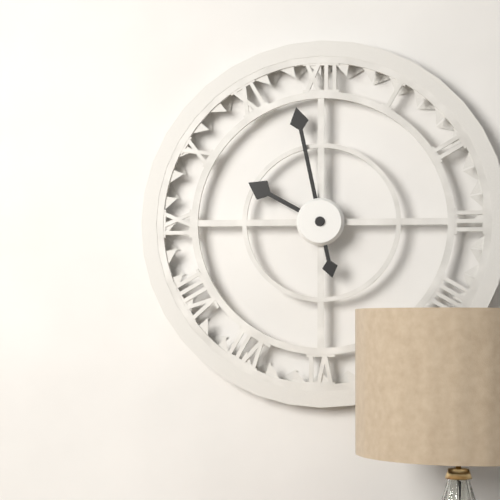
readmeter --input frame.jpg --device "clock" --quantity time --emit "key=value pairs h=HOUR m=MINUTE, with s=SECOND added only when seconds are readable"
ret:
h=9 m=58
